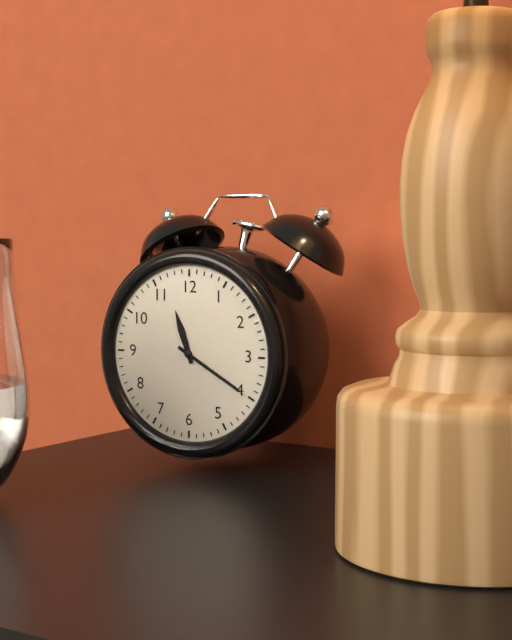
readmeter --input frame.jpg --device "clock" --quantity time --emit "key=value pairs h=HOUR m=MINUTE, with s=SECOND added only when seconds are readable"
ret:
h=11 m=20
